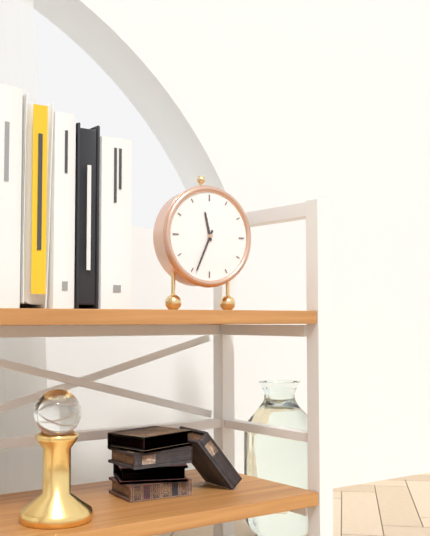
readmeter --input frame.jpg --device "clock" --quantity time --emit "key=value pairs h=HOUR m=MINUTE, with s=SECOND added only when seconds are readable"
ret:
h=11 m=34
